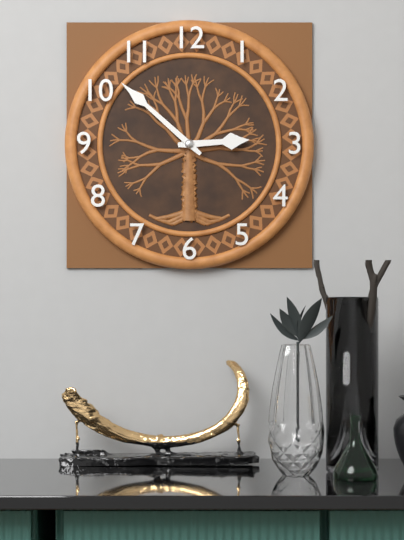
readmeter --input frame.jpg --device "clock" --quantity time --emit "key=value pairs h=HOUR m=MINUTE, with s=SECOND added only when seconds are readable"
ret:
h=2 m=52
